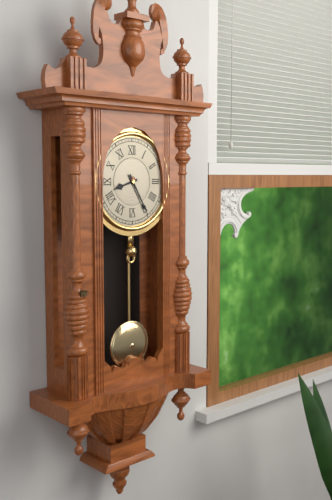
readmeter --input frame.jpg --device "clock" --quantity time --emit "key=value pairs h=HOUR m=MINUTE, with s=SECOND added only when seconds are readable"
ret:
h=8 m=25
